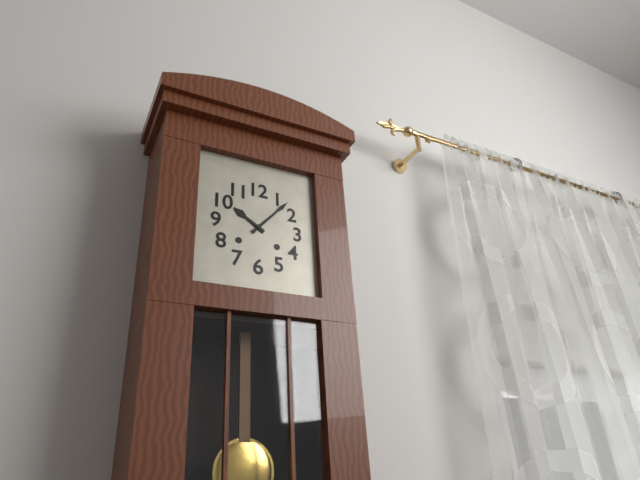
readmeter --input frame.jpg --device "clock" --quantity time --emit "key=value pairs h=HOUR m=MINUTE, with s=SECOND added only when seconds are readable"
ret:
h=10 m=7
